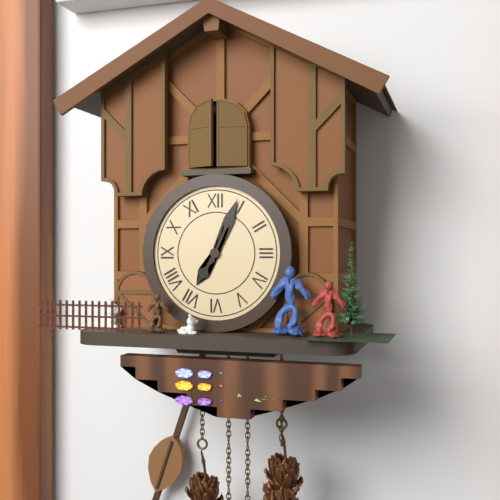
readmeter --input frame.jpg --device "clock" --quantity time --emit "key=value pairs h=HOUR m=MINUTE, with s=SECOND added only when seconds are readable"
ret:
h=7 m=4
